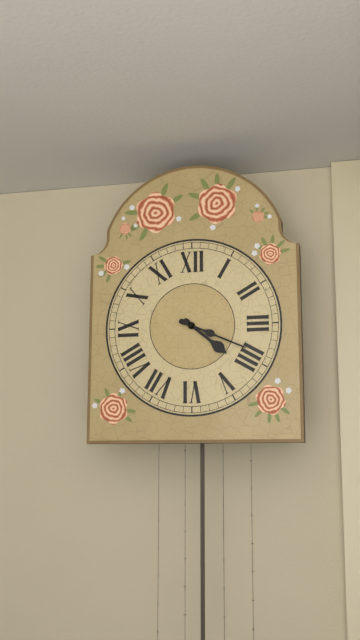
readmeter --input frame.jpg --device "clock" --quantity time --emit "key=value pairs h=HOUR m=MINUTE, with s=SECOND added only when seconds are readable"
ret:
h=4 m=19
